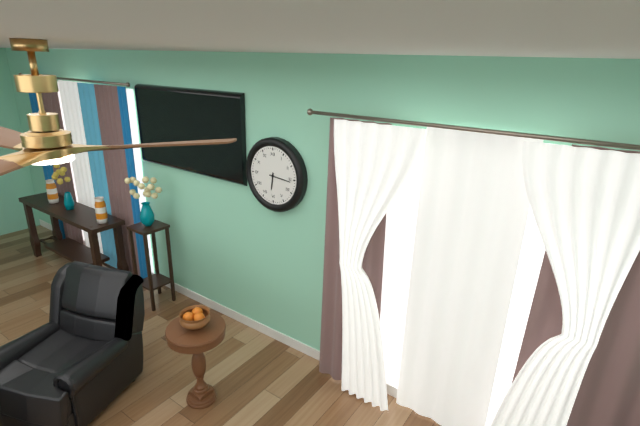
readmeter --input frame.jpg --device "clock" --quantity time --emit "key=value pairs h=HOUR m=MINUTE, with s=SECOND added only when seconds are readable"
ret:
h=6 m=16
